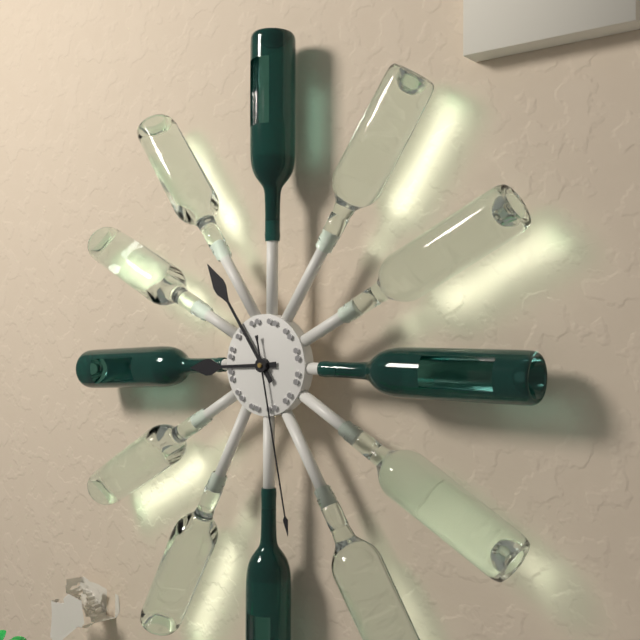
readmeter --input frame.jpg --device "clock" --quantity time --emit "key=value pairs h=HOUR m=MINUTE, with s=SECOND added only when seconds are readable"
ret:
h=8 m=54 s=28
